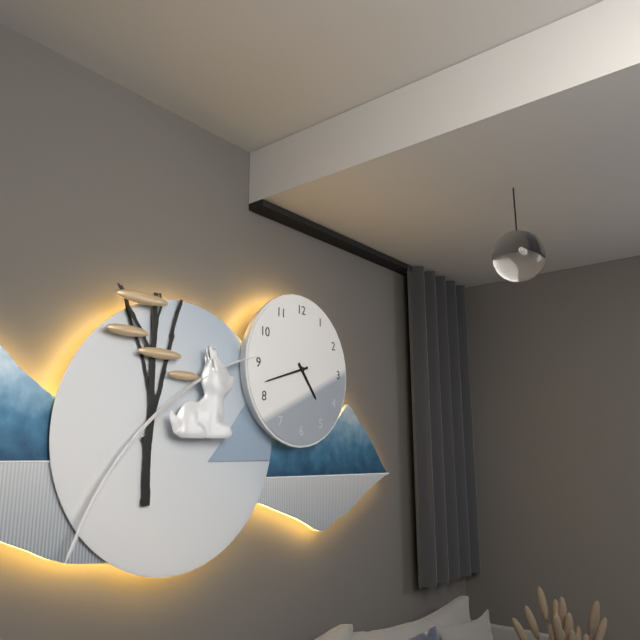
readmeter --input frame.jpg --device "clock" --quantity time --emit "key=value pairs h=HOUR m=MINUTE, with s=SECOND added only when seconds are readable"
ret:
h=4 m=42
